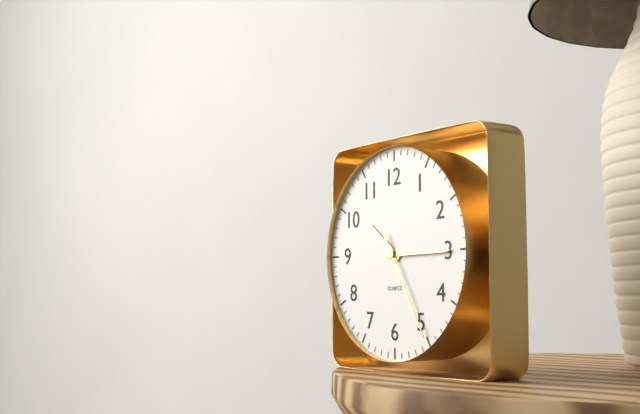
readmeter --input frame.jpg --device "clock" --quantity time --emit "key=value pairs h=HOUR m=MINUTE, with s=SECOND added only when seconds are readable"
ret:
h=10 m=15 s=25
